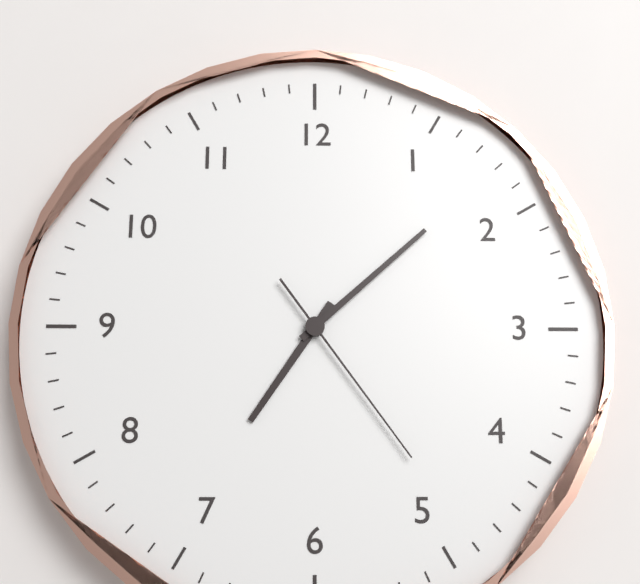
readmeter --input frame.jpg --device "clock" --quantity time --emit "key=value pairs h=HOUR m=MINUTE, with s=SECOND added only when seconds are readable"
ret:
h=7 m=8 s=24
